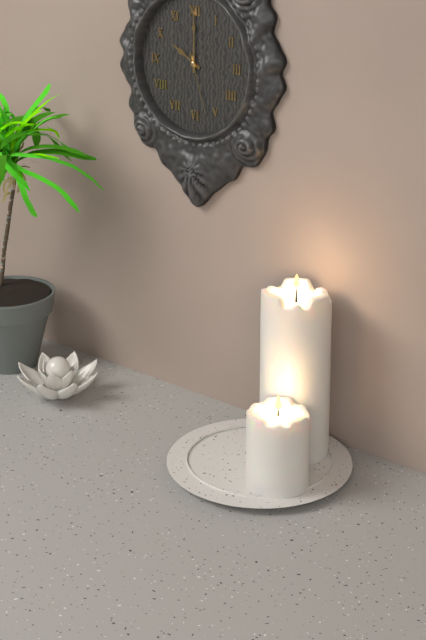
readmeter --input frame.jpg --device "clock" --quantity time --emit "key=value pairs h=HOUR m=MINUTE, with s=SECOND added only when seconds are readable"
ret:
h=10 m=0 s=27
